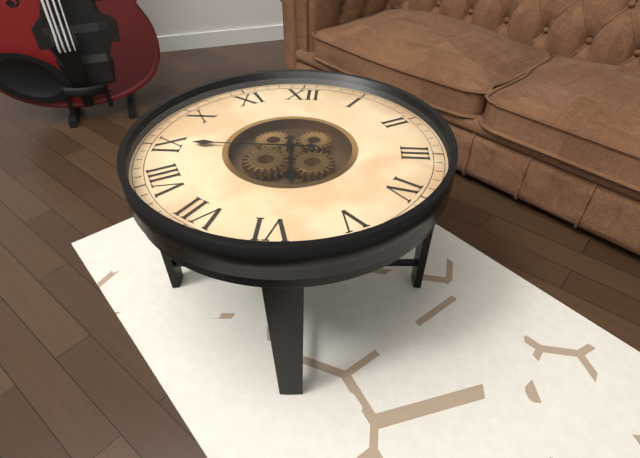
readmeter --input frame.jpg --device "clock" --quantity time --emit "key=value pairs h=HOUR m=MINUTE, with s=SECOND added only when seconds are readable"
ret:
h=5 m=45
